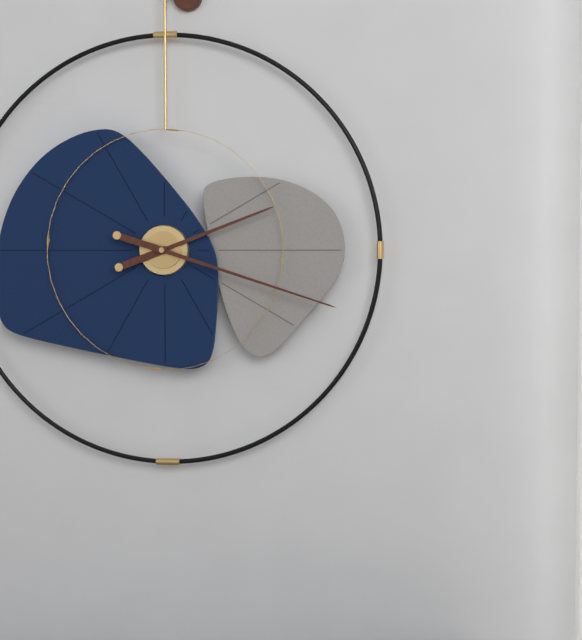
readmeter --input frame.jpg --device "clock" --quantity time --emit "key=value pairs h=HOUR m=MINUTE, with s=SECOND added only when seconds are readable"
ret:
h=2 m=18
